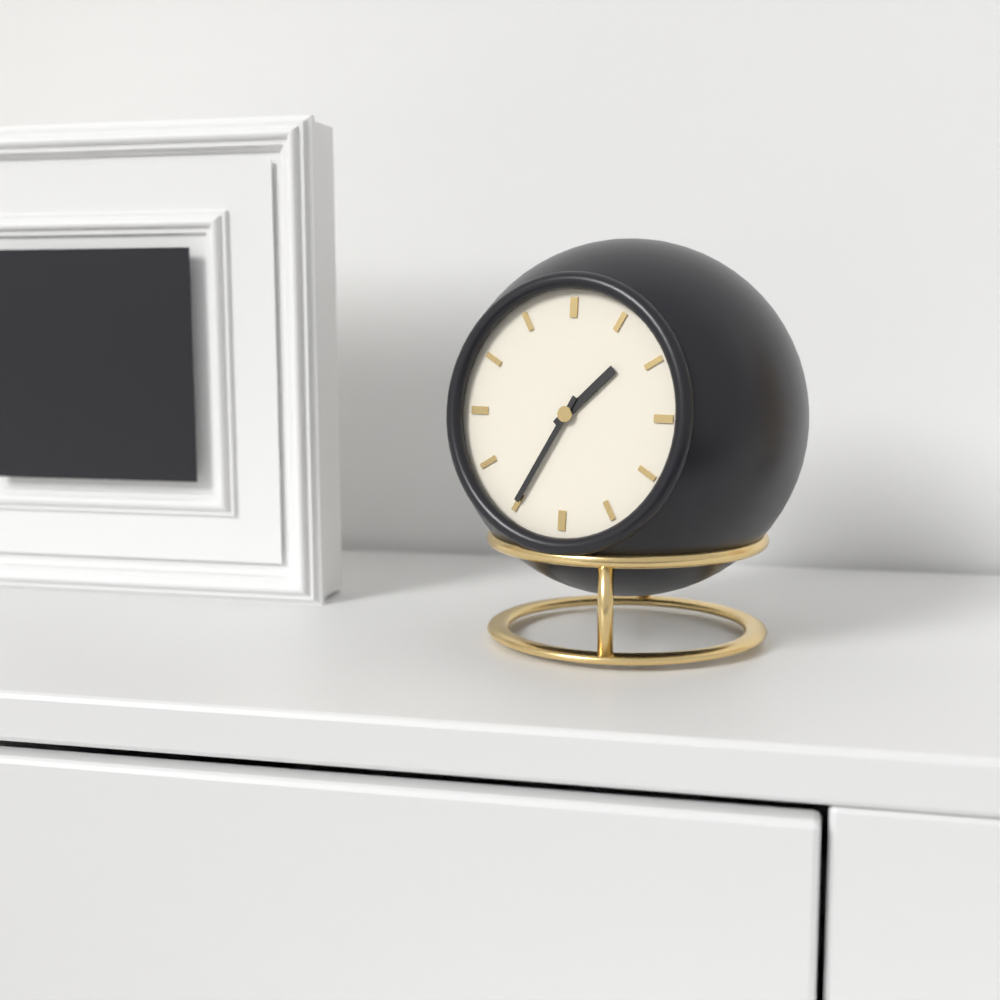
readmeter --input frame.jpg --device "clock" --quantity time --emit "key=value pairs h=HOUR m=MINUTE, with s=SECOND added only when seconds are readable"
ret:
h=1 m=35
